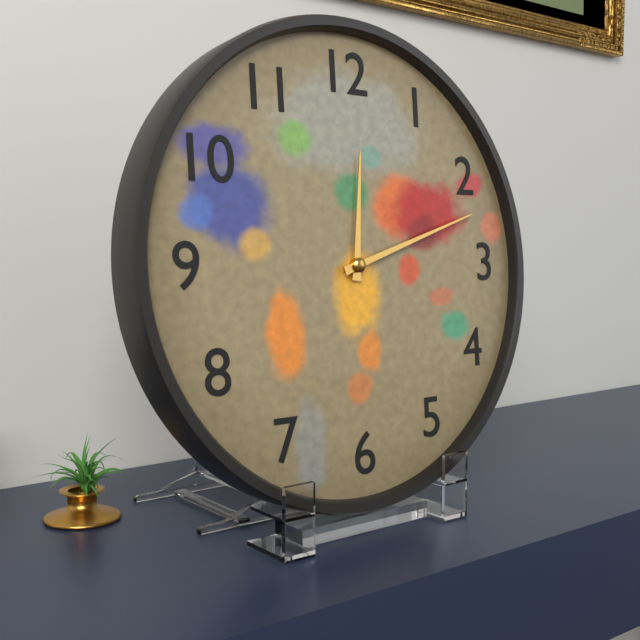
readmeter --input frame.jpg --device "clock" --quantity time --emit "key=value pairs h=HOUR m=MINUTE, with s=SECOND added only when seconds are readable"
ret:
h=12 m=12
